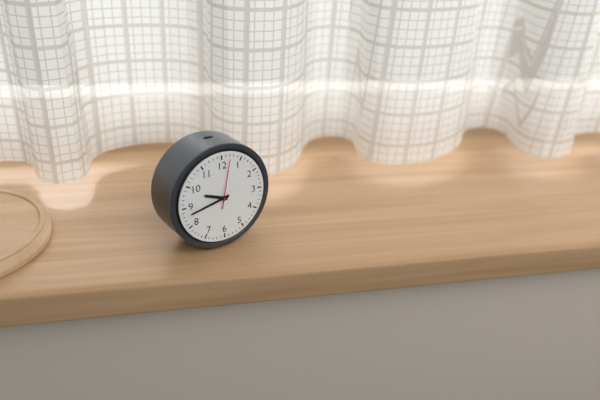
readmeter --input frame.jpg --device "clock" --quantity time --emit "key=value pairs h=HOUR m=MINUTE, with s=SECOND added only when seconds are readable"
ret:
h=9 m=43
